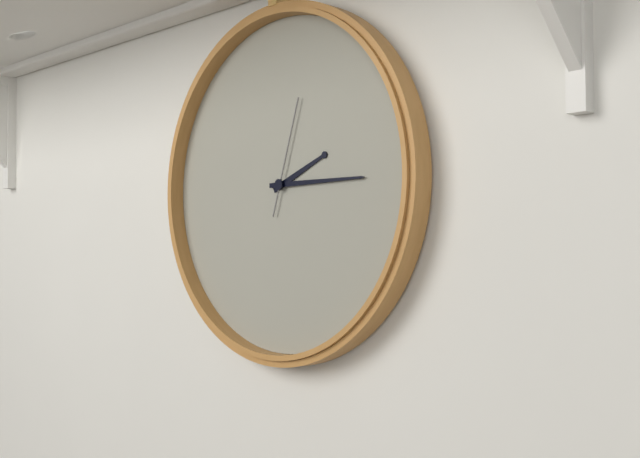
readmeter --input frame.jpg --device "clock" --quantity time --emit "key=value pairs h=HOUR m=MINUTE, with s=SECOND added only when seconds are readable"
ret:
h=2 m=15 s=3
